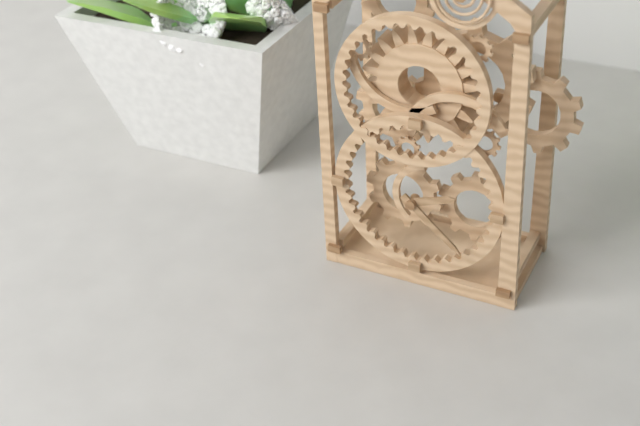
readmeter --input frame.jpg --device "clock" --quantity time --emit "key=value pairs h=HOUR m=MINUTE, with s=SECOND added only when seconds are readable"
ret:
h=2 m=22
